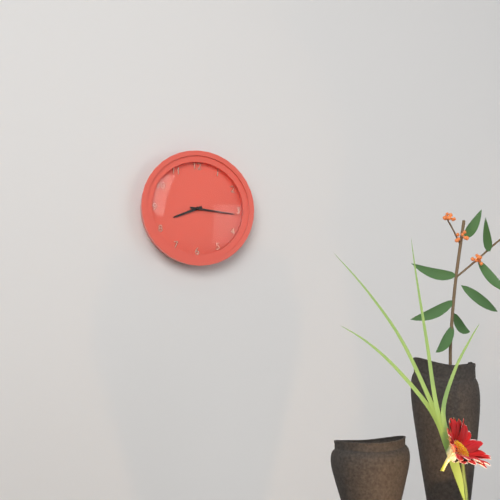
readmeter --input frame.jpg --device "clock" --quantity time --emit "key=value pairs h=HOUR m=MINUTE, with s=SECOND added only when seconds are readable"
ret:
h=8 m=16
